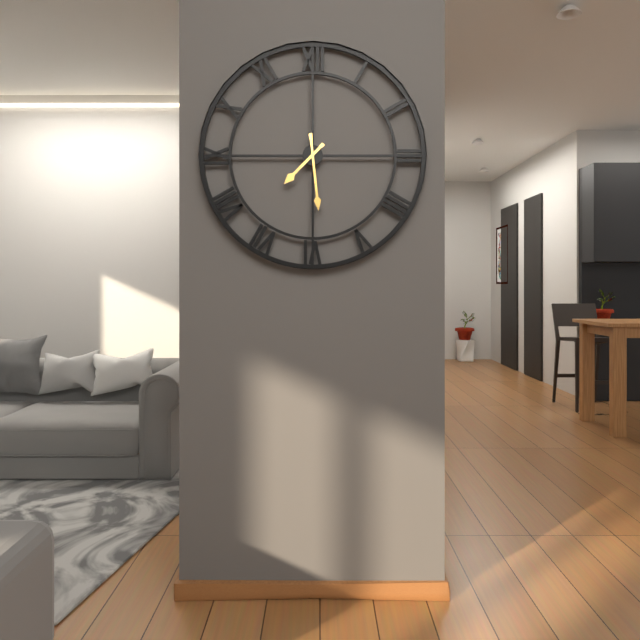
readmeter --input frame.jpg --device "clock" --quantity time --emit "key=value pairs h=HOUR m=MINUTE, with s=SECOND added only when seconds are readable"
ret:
h=7 m=29
